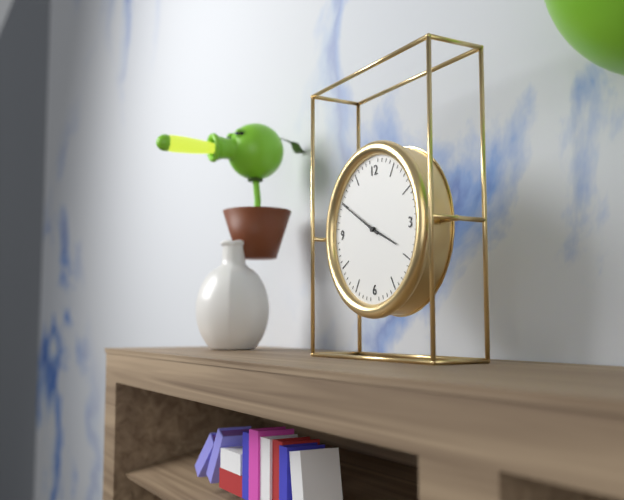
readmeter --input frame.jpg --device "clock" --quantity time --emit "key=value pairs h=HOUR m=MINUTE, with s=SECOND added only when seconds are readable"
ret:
h=3 m=50
